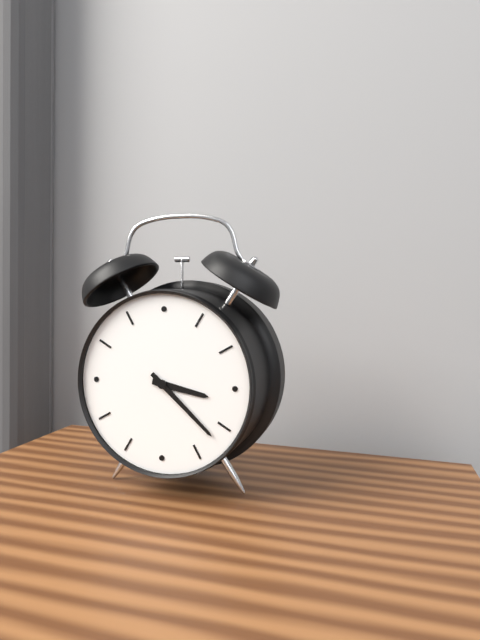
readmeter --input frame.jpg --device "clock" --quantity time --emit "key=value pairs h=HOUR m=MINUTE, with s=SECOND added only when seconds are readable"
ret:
h=3 m=22
